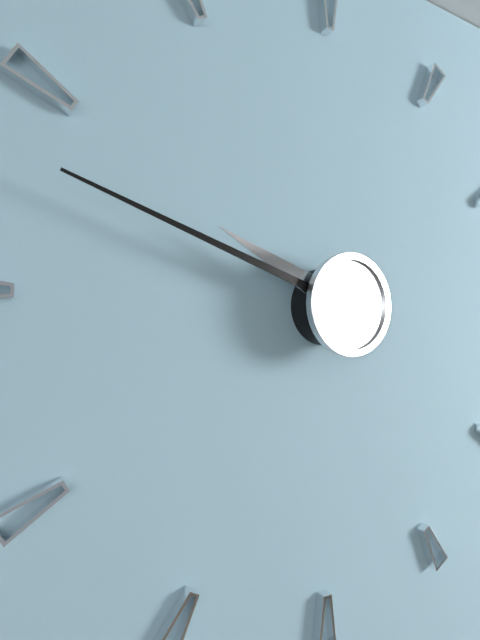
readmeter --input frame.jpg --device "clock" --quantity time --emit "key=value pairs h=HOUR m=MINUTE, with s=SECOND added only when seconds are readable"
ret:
h=9 m=48
